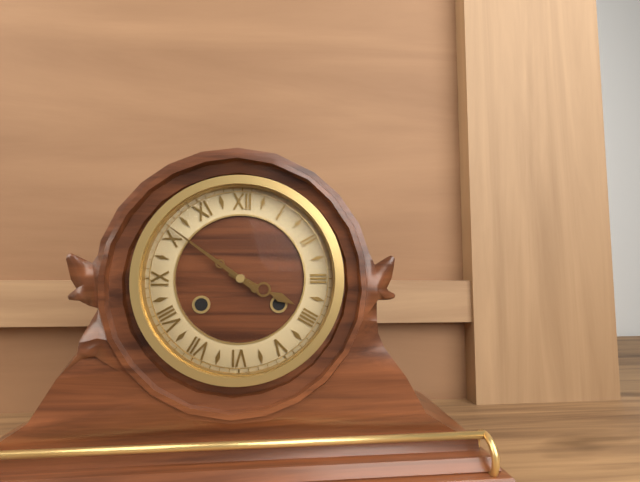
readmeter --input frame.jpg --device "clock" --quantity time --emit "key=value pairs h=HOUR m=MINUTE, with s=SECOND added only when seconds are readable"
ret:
h=3 m=51
